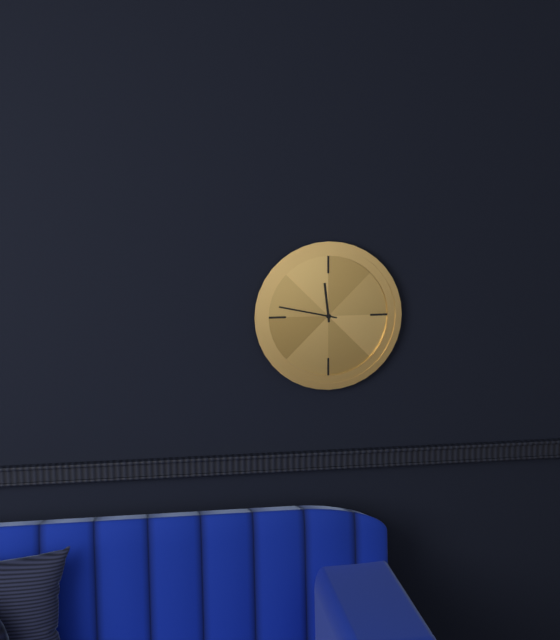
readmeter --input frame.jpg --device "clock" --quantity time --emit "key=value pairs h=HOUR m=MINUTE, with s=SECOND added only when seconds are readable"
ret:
h=11 m=47
